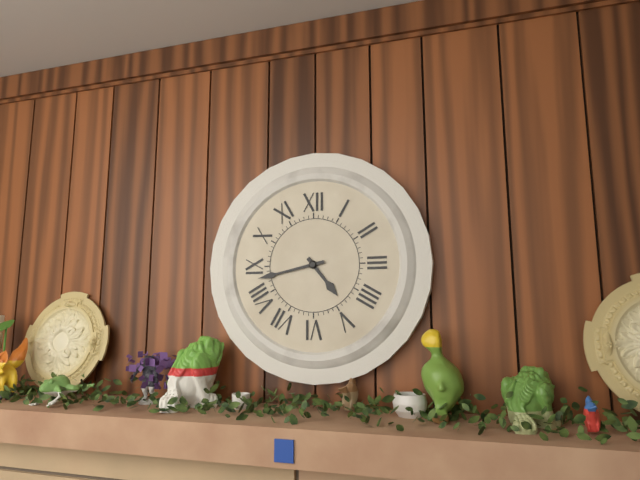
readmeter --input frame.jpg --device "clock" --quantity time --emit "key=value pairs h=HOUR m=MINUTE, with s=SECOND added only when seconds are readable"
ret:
h=4 m=43
